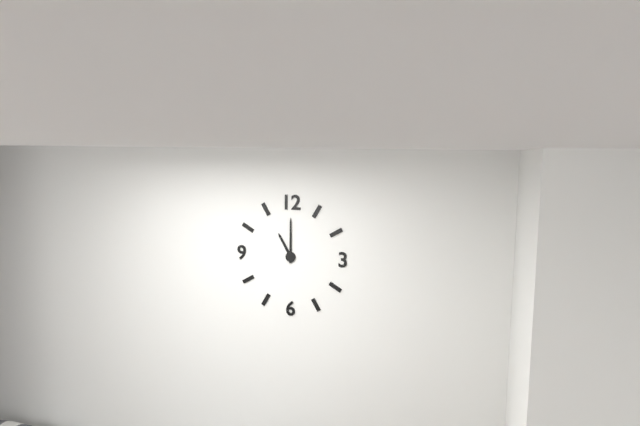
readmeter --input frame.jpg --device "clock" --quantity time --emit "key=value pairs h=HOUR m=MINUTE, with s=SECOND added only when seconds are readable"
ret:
h=11 m=0
